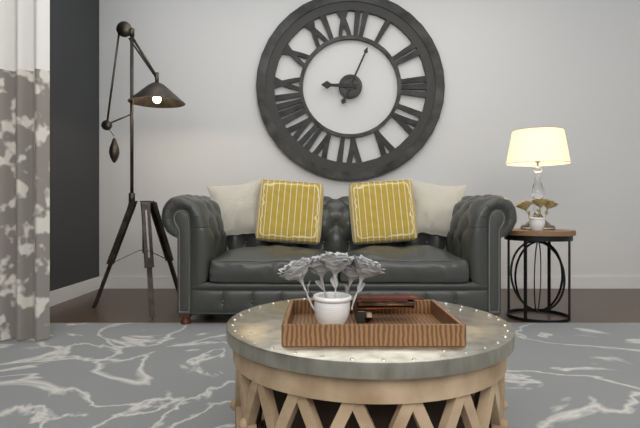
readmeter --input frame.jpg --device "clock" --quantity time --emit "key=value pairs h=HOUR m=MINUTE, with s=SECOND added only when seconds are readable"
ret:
h=9 m=4
